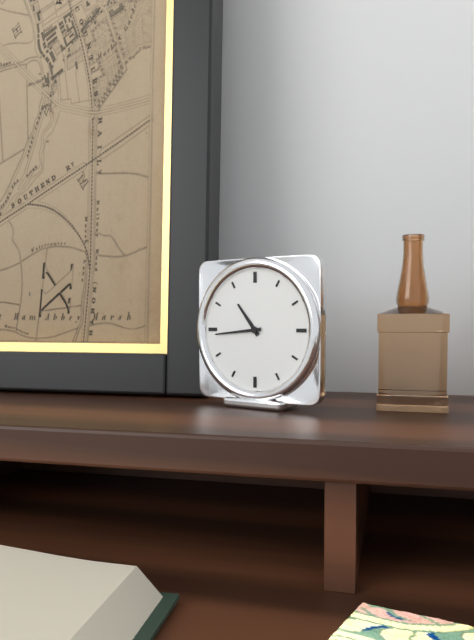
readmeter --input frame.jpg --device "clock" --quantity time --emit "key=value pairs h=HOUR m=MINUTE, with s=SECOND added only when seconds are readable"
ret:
h=10 m=44
